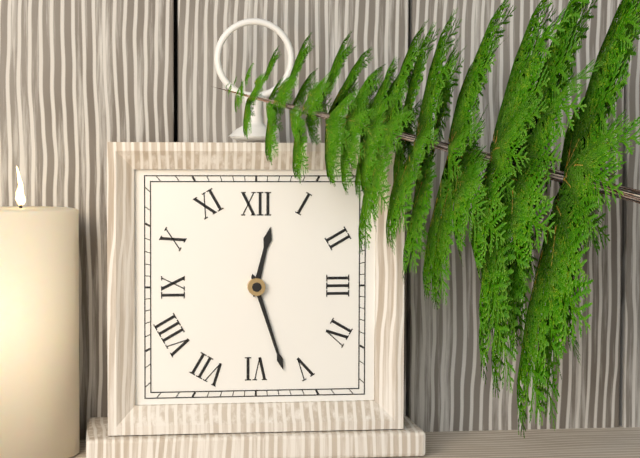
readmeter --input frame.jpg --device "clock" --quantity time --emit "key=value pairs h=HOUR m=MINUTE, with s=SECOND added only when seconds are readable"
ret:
h=12 m=27
